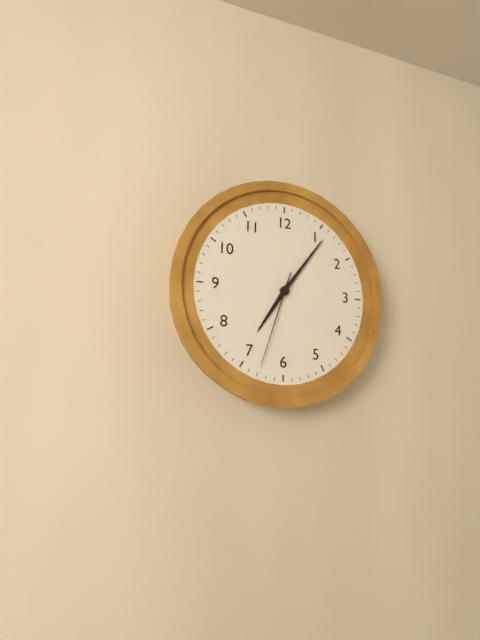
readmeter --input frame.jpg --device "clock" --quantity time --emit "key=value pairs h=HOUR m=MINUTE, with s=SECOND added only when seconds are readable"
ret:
h=7 m=6 s=33
